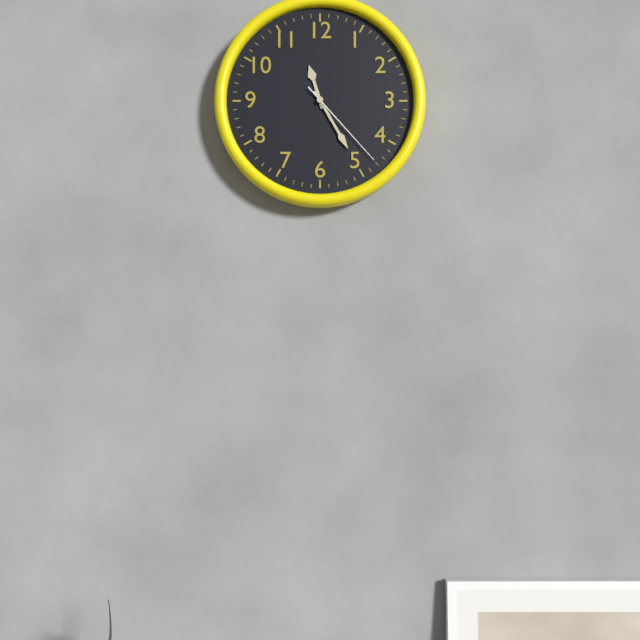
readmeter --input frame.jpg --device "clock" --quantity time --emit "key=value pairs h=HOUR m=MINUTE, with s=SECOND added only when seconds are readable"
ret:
h=11 m=25 s=23
